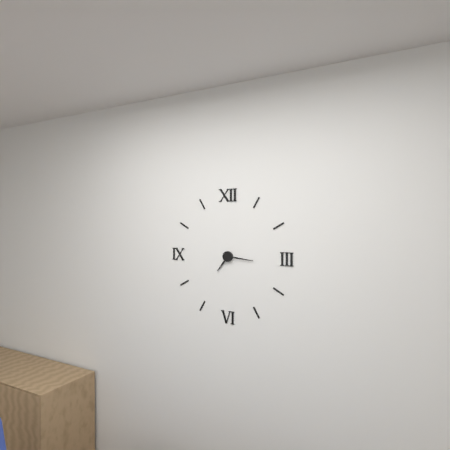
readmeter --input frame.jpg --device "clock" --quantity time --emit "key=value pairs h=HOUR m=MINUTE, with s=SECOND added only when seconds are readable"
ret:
h=7 m=16
